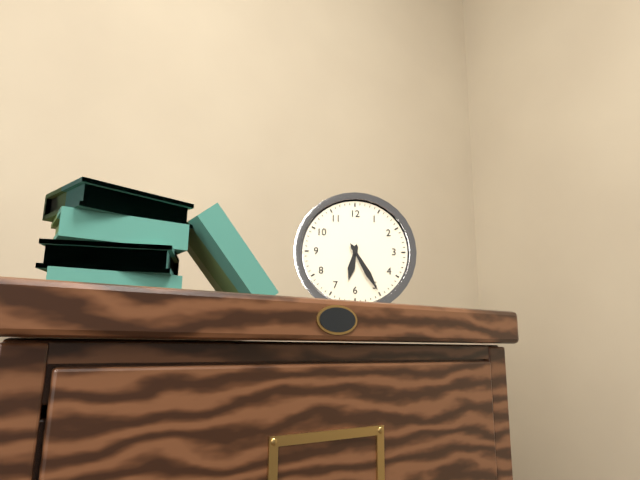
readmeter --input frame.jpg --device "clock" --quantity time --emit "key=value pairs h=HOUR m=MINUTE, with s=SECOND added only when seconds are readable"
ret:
h=6 m=25
